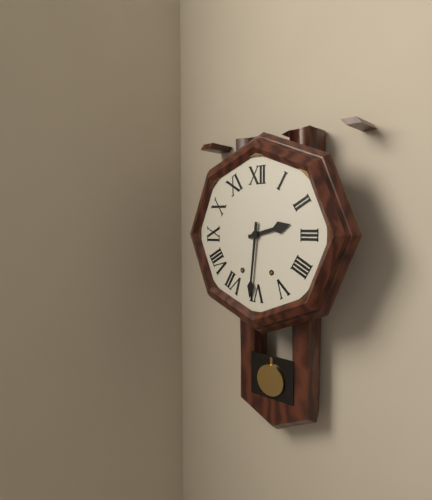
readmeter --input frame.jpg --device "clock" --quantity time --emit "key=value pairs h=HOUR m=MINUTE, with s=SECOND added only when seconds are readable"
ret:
h=2 m=31
